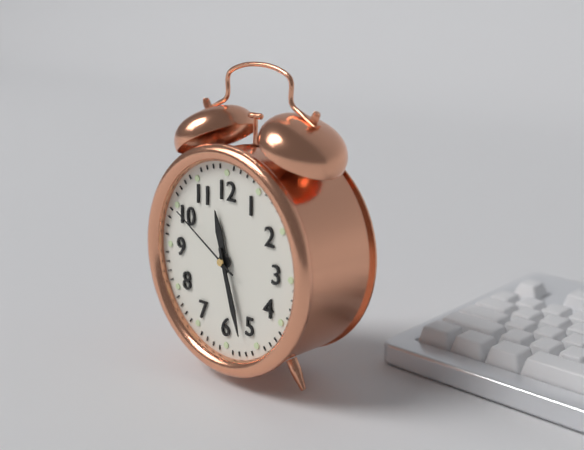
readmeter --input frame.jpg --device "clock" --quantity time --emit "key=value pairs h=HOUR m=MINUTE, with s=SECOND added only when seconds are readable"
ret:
h=11 m=27 s=50
